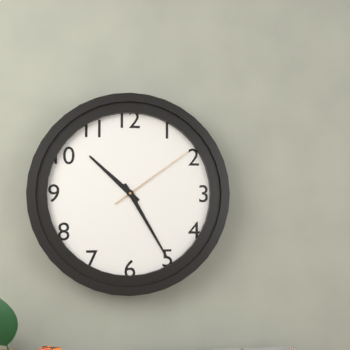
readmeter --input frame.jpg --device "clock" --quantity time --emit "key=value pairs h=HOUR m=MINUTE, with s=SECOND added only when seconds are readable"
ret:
h=10 m=25 s=9
